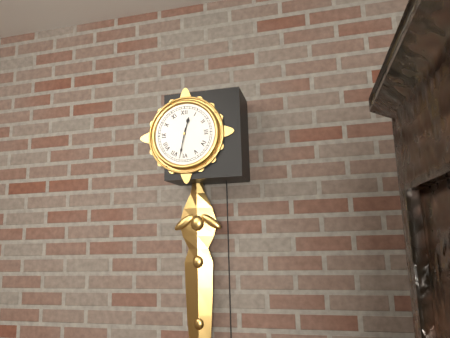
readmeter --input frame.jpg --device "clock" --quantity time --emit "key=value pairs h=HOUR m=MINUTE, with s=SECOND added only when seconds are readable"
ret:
h=12 m=32
